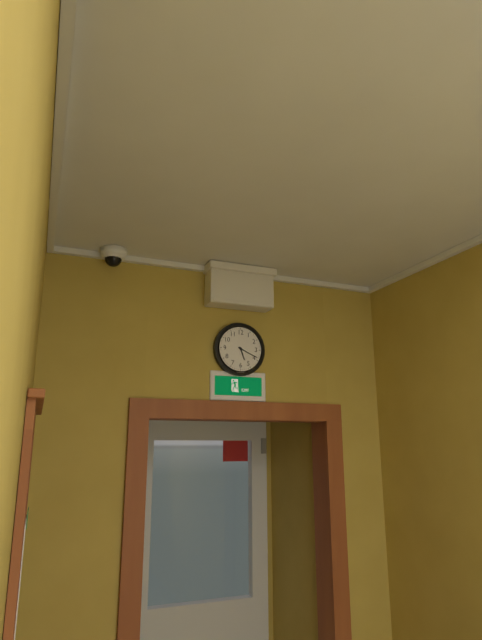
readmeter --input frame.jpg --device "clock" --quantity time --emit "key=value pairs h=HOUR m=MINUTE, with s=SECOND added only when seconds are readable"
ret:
h=5 m=19
